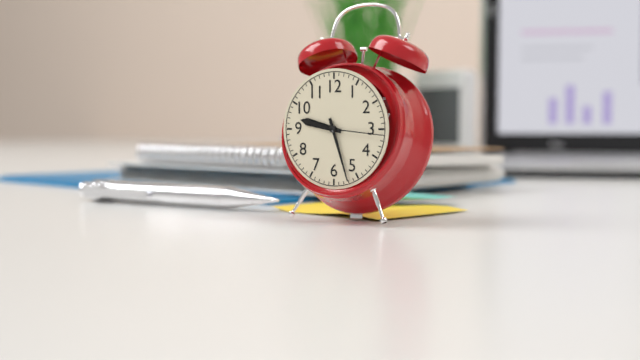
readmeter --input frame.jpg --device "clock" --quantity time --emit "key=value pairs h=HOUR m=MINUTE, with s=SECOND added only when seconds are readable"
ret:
h=9 m=27 s=16
